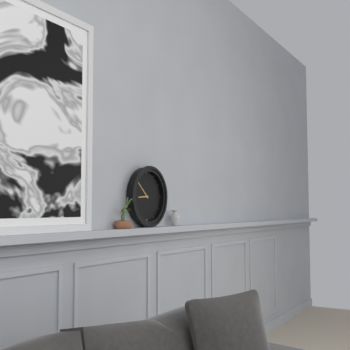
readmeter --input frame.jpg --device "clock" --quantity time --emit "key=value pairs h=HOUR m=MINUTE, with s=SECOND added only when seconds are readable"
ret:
h=8 m=52
